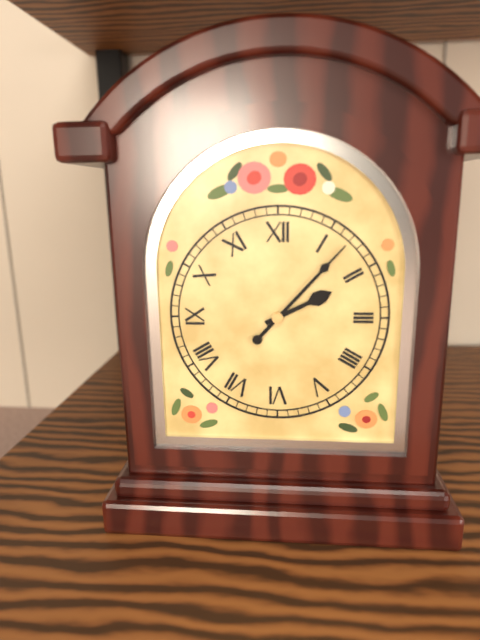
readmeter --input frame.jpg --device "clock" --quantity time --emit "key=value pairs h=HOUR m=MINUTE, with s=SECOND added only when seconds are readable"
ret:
h=2 m=7
